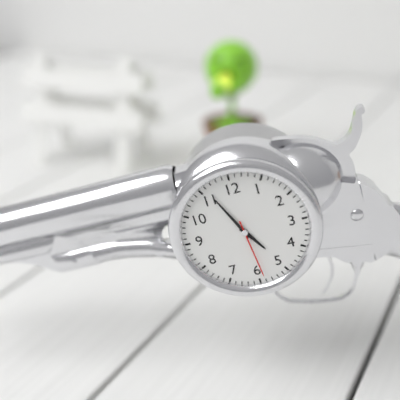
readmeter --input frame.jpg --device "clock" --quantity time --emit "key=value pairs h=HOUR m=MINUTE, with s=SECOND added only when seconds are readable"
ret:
h=4 m=56 s=29
